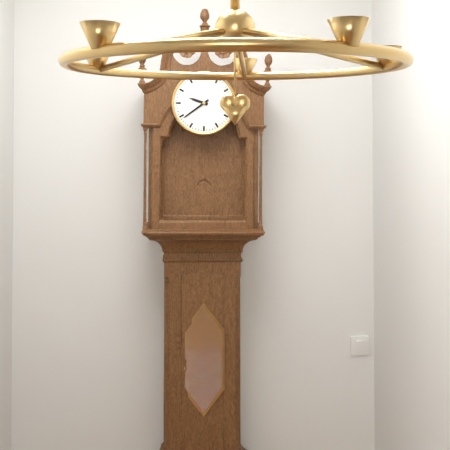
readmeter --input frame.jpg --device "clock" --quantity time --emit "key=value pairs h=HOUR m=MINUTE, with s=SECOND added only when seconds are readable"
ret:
h=9 m=39
